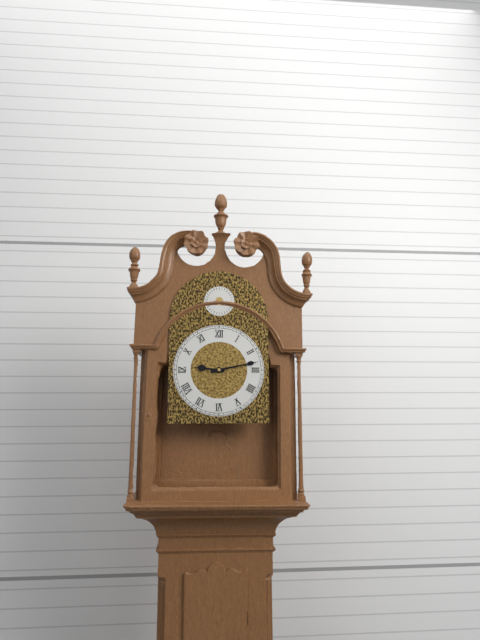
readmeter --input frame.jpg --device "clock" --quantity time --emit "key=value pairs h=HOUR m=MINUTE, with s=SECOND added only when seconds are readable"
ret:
h=9 m=13
